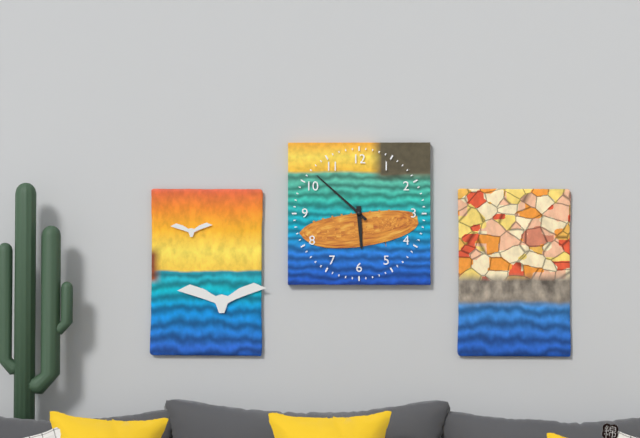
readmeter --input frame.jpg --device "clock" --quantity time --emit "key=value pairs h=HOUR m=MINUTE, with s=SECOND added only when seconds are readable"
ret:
h=5 m=52
